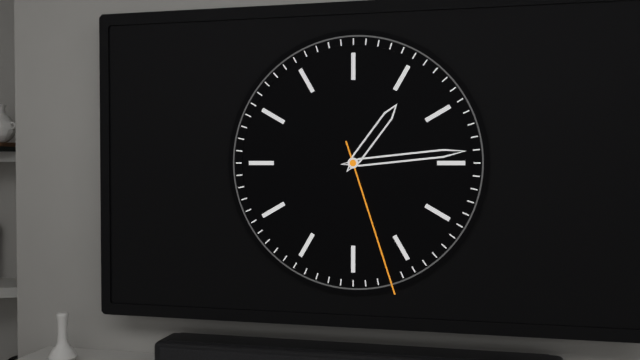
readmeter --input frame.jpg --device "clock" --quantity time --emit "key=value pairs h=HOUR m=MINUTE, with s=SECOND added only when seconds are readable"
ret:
h=1 m=14 s=27
